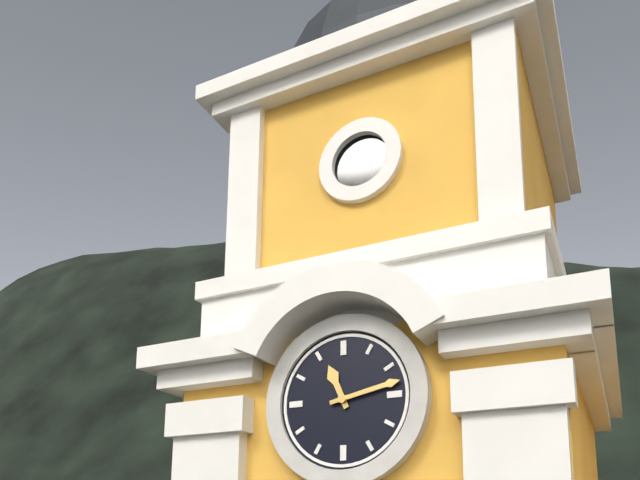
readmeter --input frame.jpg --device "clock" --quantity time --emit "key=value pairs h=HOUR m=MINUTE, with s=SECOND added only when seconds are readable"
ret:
h=11 m=13
